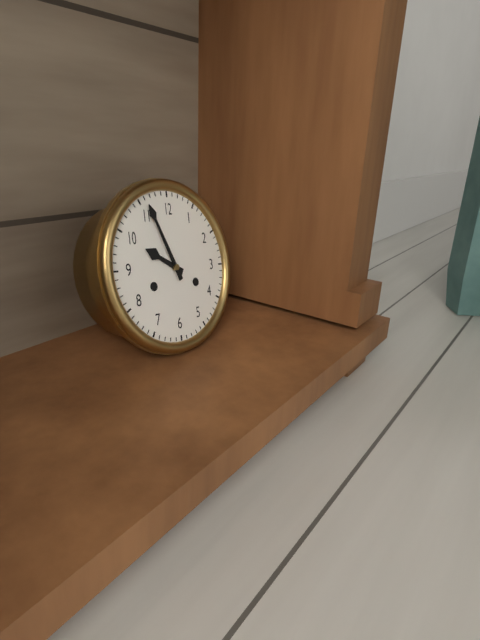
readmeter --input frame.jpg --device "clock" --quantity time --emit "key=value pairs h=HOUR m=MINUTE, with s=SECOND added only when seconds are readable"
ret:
h=9 m=56
